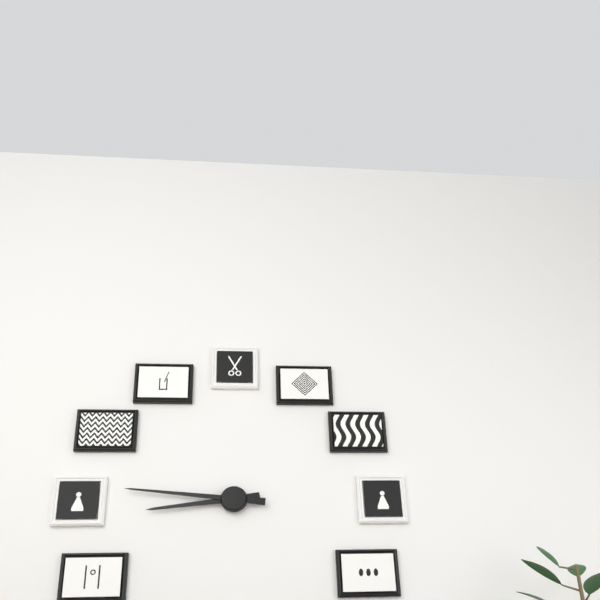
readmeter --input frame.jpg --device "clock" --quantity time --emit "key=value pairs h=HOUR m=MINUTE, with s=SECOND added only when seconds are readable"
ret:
h=8 m=46
